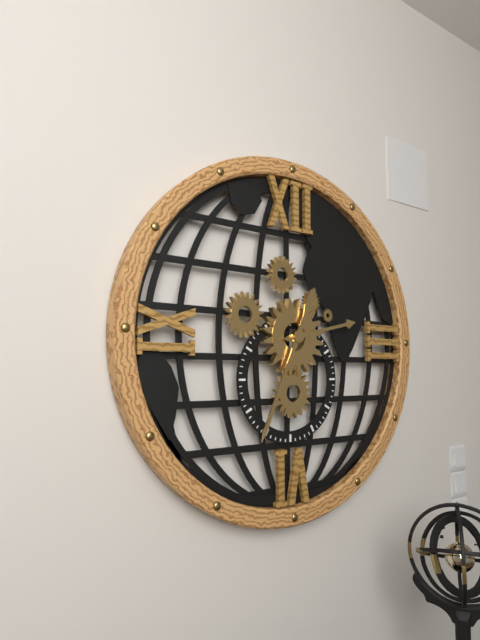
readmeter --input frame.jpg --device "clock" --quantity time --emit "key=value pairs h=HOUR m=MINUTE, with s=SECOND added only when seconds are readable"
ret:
h=2 m=34
